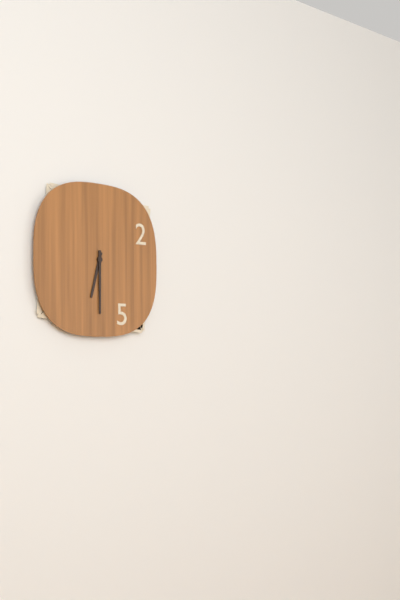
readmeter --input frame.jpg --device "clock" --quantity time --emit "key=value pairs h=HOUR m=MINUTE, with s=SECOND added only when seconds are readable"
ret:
h=6 m=30
